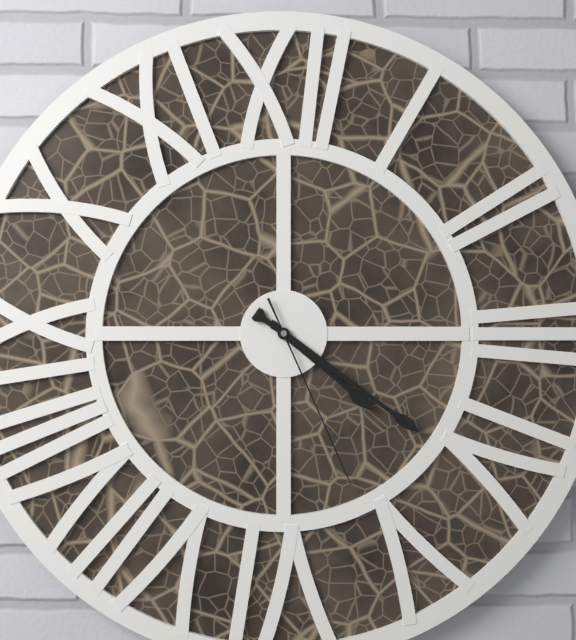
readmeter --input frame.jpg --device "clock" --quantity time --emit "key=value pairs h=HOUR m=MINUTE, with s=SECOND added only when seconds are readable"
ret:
h=4 m=21 s=26
